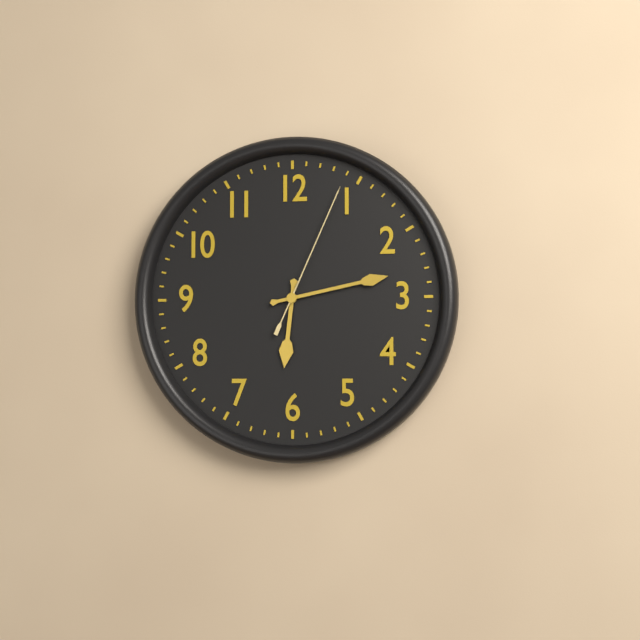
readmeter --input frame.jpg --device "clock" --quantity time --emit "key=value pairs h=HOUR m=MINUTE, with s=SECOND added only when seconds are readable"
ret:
h=6 m=13 s=4
